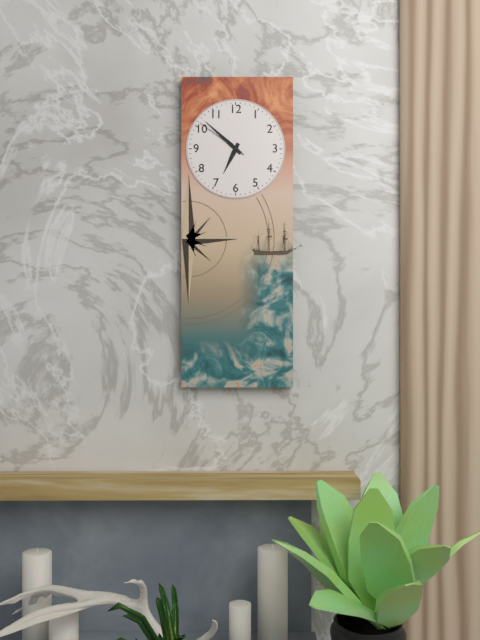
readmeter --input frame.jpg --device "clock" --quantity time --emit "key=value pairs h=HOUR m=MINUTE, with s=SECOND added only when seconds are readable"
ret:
h=6 m=52 s=51
